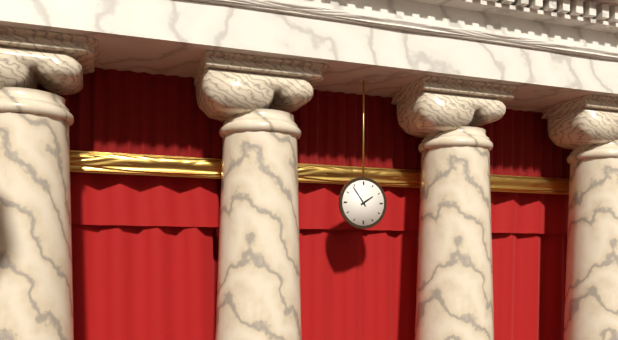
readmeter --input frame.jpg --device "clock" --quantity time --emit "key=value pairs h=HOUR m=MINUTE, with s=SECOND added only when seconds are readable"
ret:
h=1 m=54
